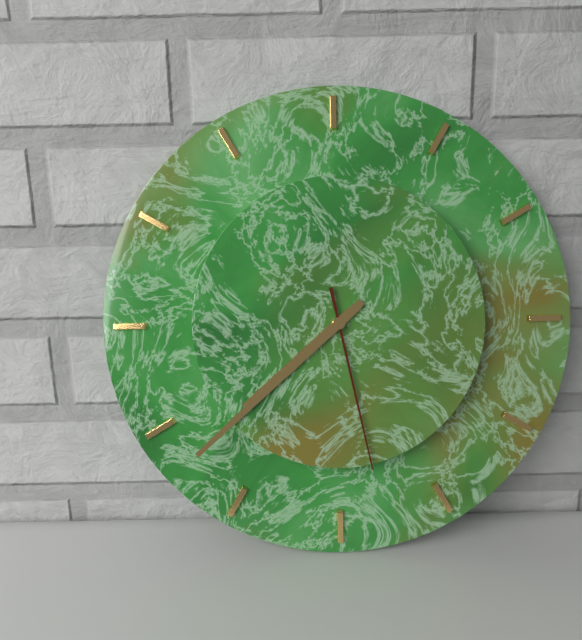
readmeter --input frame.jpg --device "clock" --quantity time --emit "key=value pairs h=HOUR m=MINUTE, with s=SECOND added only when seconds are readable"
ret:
h=7 m=38 s=28
